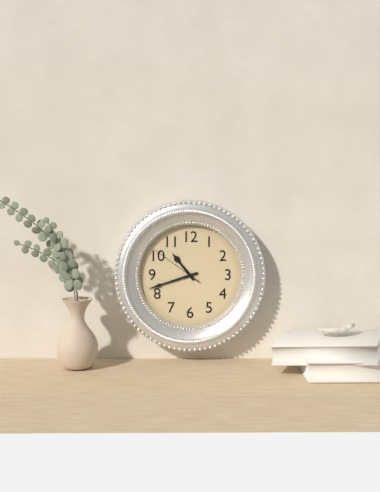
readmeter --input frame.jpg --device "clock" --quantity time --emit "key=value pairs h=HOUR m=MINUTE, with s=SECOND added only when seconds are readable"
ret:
h=10 m=42 s=51
